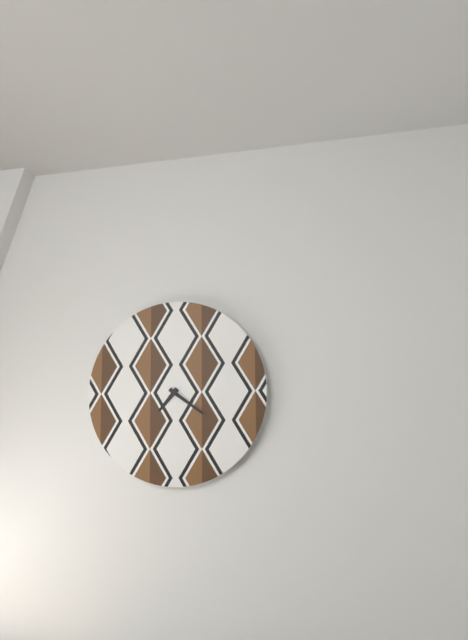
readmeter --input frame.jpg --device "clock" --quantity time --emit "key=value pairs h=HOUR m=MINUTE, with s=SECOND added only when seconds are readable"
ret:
h=7 m=21
